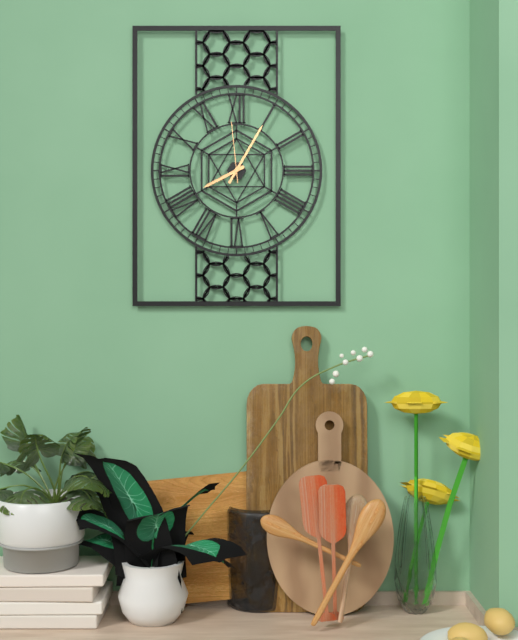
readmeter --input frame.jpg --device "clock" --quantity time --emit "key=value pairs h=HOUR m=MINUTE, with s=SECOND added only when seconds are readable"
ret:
h=8 m=5 s=59
